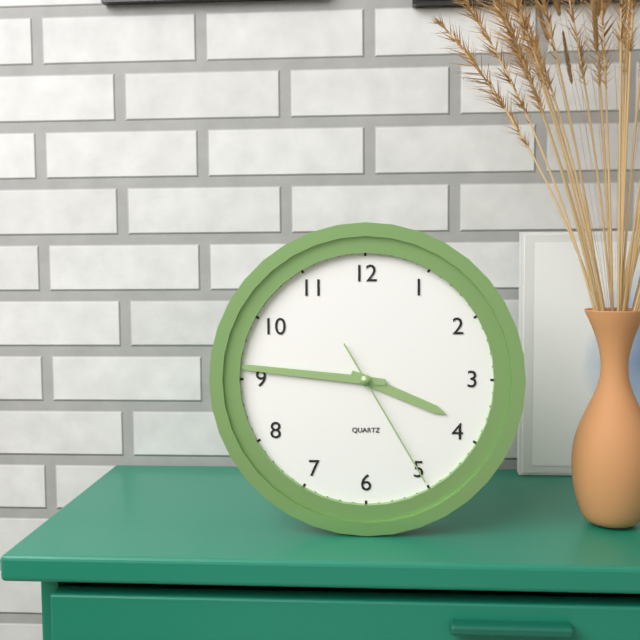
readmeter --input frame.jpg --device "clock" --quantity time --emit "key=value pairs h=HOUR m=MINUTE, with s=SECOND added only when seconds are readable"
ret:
h=3 m=46 s=25
